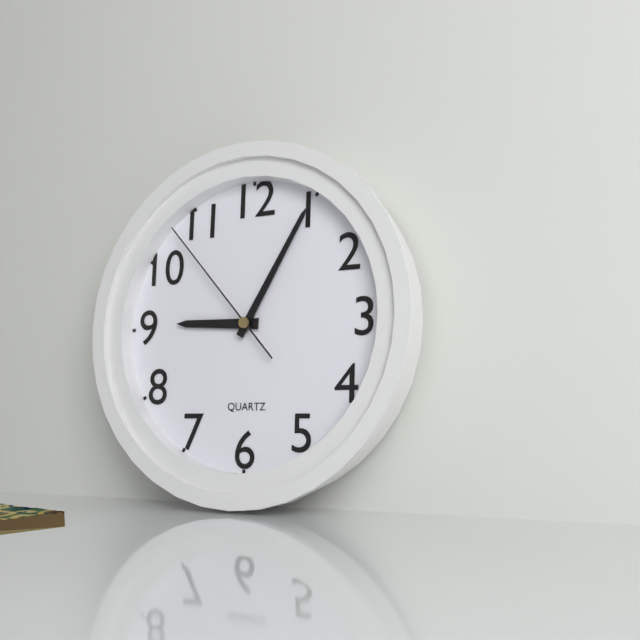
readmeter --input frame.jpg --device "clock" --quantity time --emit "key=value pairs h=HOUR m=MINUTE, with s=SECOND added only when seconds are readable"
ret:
h=9 m=5 s=53
